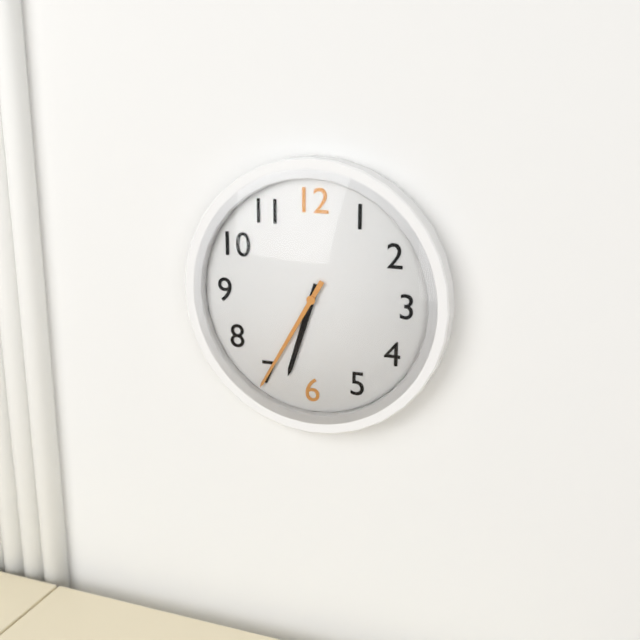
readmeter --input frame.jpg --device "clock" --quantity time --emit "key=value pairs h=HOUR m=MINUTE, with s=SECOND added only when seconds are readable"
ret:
h=6 m=35
